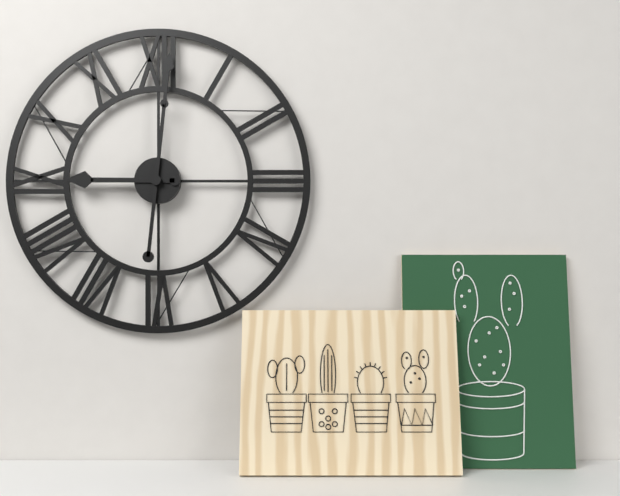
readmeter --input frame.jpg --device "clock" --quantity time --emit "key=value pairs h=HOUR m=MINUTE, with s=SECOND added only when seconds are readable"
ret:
h=9 m=1
